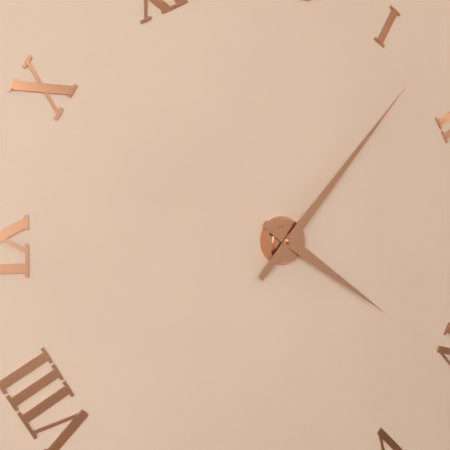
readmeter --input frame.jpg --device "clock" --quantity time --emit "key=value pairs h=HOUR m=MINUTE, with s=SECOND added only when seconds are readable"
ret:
h=4 m=7
